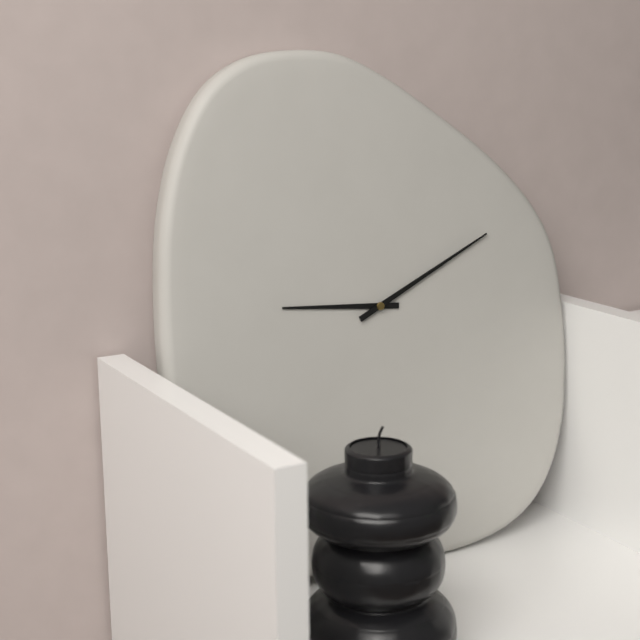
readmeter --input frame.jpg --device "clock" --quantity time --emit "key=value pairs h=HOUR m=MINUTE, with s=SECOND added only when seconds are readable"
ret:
h=9 m=11
